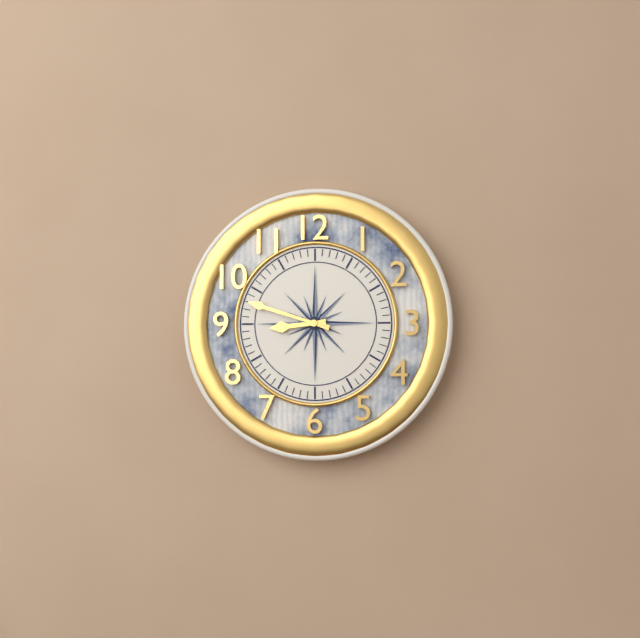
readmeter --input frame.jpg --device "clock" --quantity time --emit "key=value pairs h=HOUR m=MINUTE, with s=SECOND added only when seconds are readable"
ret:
h=8 m=48
